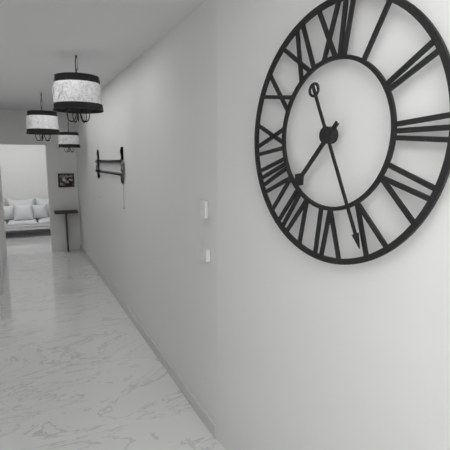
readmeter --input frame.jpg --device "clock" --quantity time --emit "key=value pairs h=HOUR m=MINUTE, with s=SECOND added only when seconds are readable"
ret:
h=7 m=26
